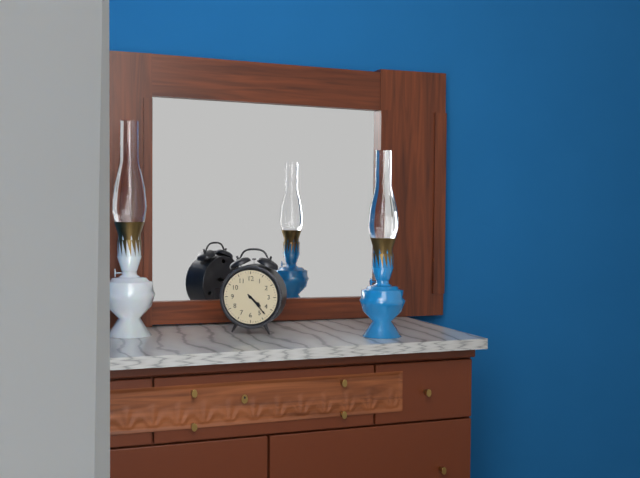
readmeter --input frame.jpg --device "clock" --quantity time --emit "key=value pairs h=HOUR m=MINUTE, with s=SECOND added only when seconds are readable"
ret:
h=4 m=23
